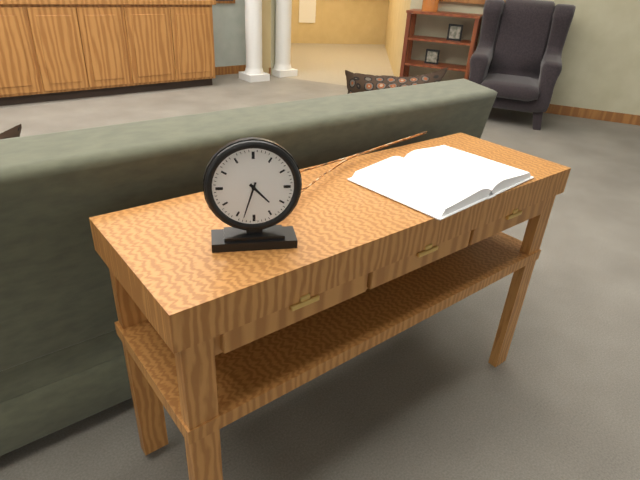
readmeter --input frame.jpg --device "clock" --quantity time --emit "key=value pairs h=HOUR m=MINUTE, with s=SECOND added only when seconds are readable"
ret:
h=4 m=33
